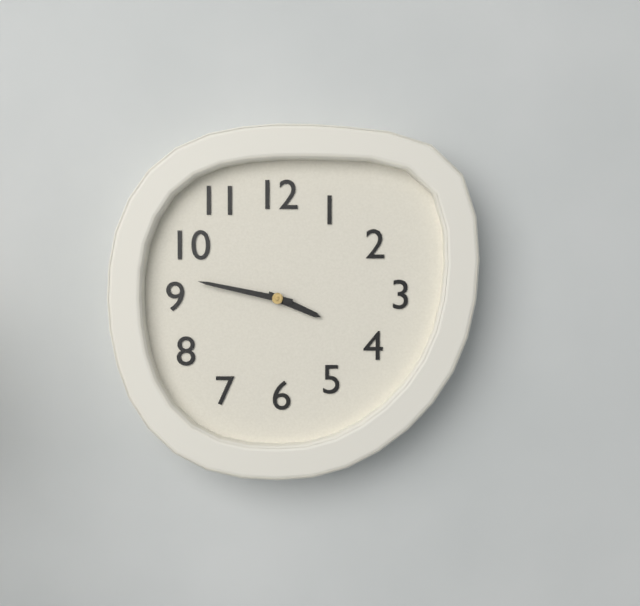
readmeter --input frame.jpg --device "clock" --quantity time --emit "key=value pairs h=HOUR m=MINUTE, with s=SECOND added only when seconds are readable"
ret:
h=3 m=47
